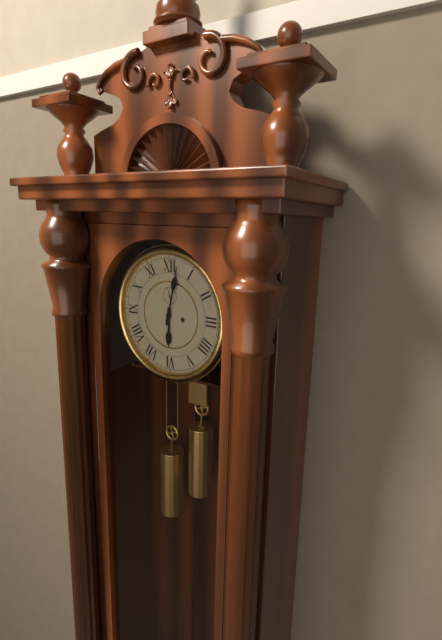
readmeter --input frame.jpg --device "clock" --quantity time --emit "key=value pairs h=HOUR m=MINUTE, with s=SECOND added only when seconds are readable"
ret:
h=6 m=2
